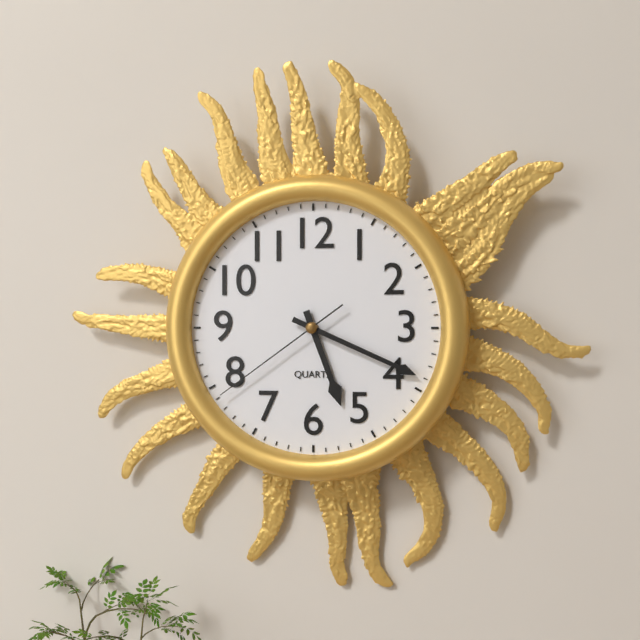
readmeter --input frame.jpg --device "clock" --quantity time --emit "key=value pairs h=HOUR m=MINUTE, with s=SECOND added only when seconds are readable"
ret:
h=5 m=19 s=39
